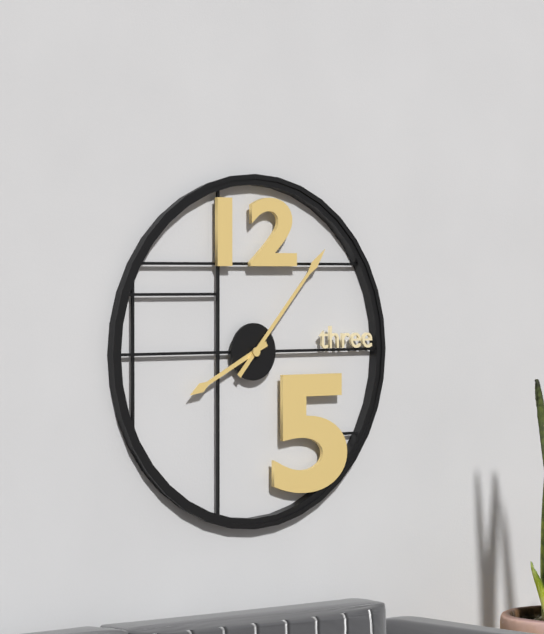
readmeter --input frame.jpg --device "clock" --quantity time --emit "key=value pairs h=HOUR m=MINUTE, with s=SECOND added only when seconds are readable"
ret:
h=8 m=7
